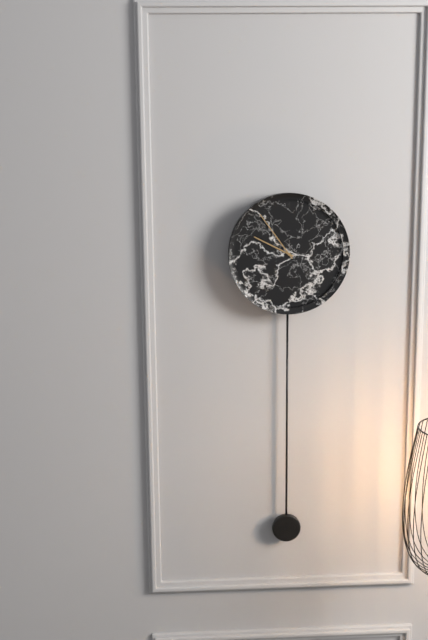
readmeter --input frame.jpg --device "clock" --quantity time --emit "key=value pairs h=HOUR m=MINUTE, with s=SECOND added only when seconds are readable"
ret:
h=9 m=54
